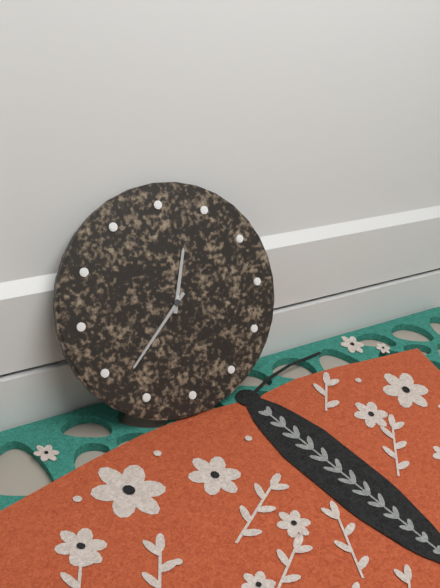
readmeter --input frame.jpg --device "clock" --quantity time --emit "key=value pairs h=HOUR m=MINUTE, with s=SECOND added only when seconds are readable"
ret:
h=12 m=38
